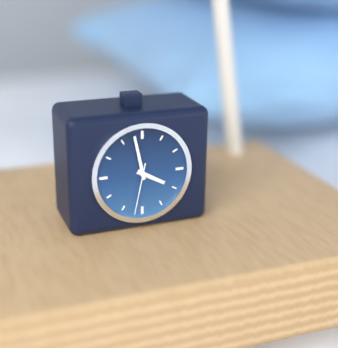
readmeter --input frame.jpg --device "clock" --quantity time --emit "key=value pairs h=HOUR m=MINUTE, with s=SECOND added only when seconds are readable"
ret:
h=3 m=58 s=32
